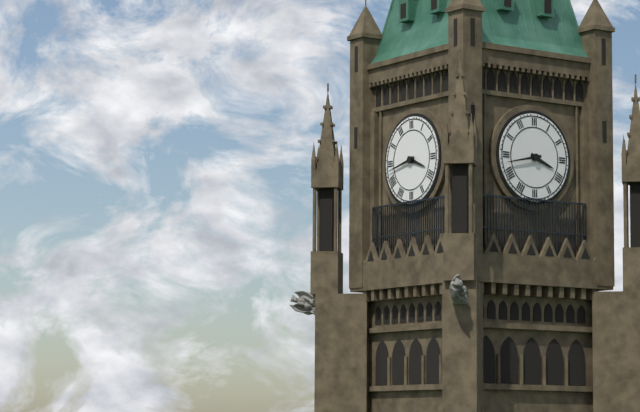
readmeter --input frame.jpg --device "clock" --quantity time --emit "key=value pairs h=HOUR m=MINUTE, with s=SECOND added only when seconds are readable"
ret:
h=3 m=43
